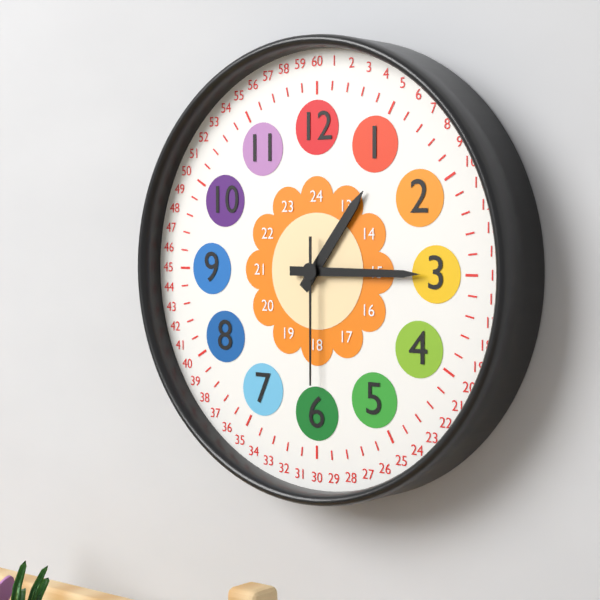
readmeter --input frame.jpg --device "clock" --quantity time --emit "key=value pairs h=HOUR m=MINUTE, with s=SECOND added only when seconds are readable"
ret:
h=1 m=15 s=30
